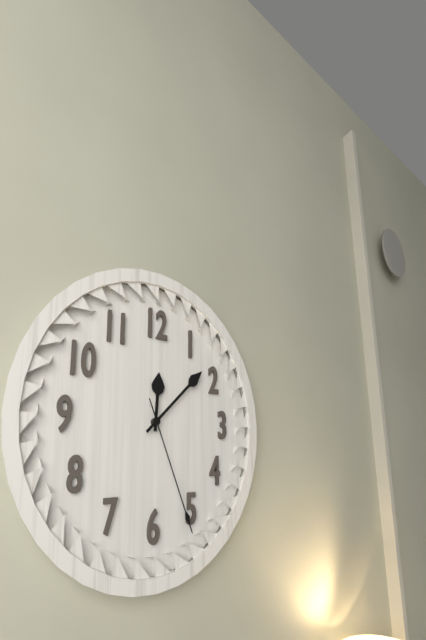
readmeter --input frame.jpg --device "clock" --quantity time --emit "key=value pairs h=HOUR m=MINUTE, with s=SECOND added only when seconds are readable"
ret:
h=12 m=8 s=26
